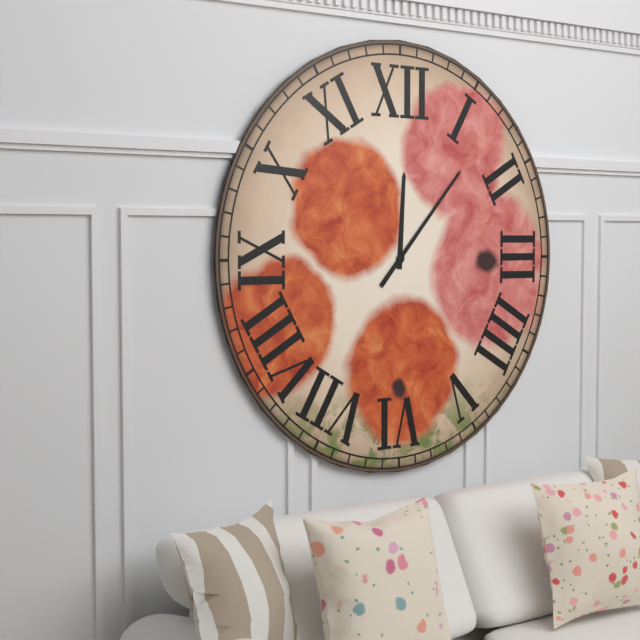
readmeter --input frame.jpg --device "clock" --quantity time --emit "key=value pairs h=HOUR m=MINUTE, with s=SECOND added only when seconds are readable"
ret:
h=12 m=7
